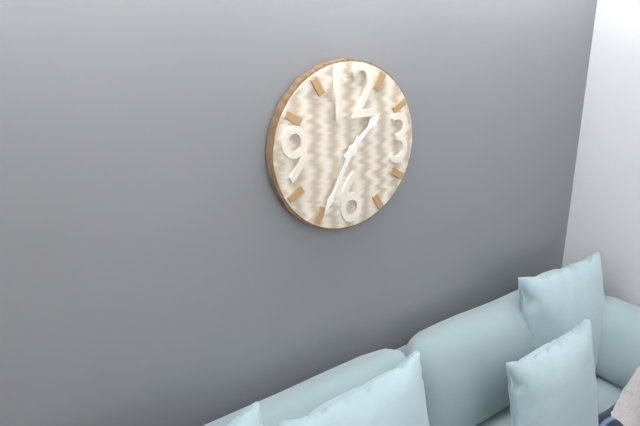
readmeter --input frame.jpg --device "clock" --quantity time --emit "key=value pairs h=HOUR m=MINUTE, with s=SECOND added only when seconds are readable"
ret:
h=1 m=35
